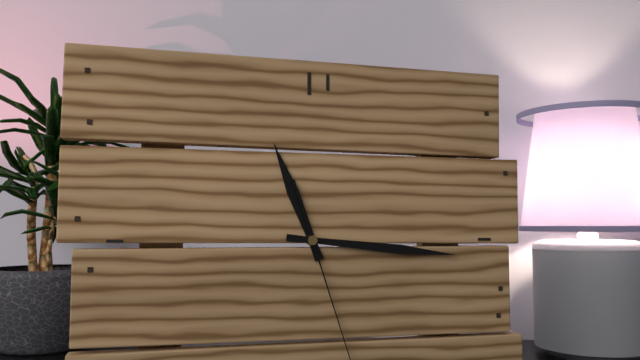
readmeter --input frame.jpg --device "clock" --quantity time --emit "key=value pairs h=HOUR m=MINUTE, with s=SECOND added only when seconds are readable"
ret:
h=11 m=16
